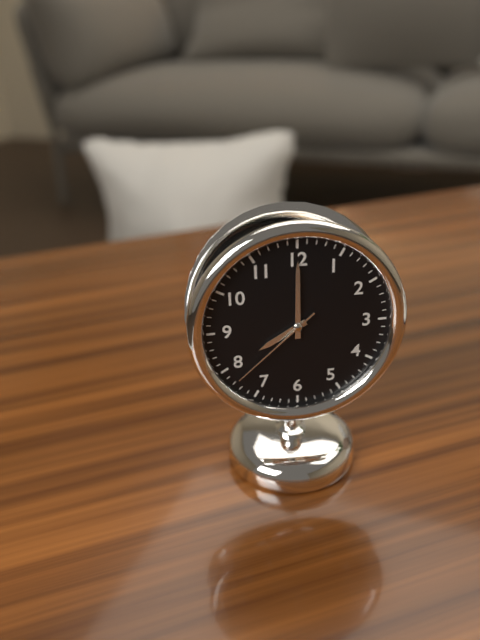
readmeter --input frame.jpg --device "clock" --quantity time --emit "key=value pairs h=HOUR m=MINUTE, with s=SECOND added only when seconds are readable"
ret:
h=8 m=0 s=38
